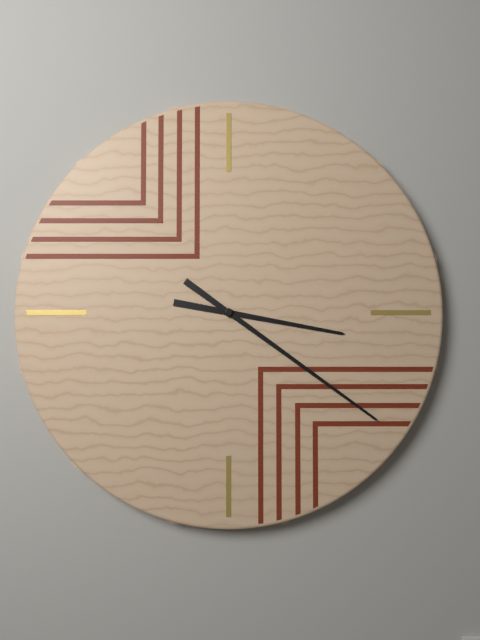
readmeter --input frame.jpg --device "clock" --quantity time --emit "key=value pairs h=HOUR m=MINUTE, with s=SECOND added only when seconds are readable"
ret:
h=3 m=21
